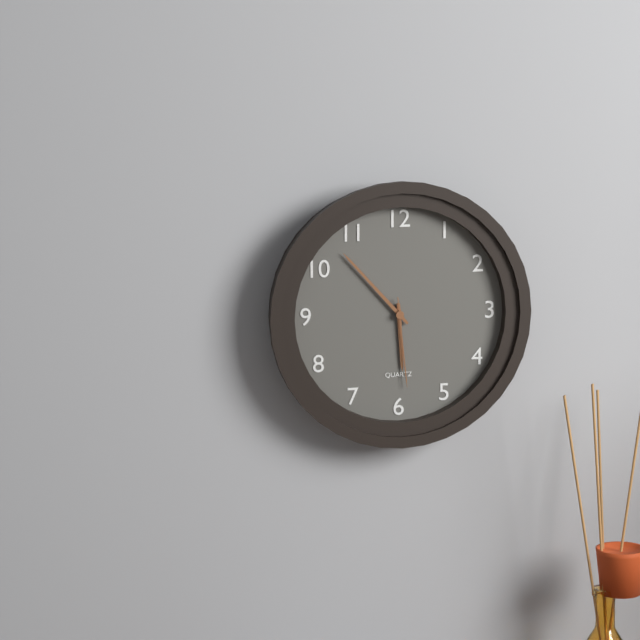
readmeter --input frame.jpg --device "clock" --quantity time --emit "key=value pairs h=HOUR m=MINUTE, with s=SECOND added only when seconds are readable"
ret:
h=5 m=53 s=29
